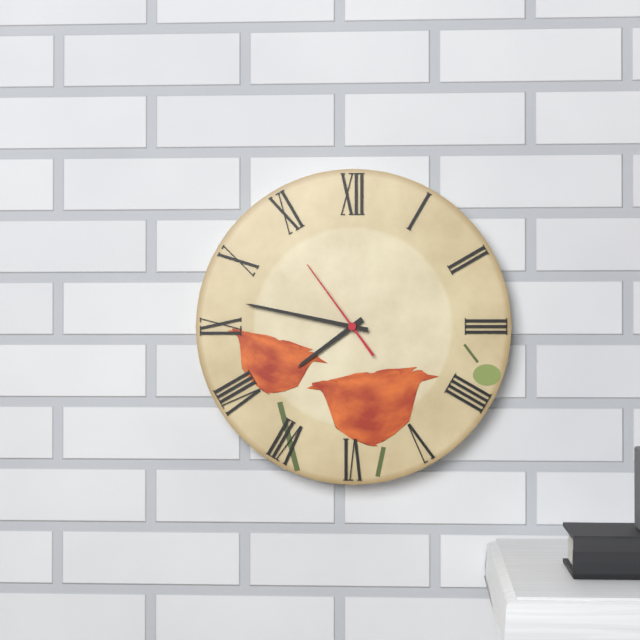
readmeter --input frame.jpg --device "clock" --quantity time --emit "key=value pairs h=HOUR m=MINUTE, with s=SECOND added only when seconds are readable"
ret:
h=7 m=47 s=54
